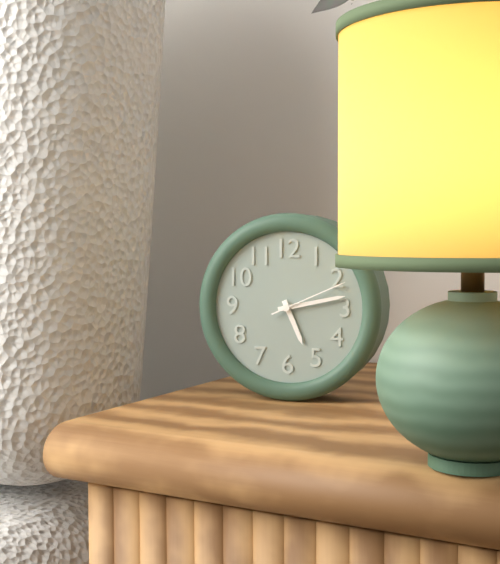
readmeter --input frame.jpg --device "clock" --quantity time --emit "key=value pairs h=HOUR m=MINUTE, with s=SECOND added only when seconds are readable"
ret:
h=5 m=13 s=11
